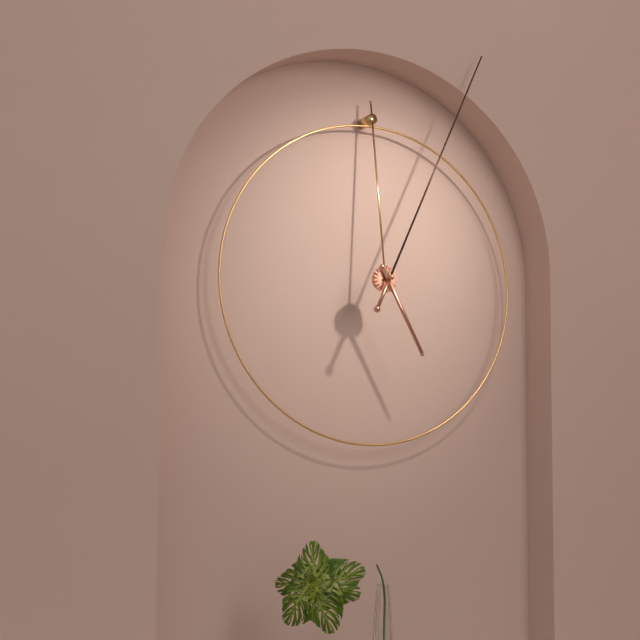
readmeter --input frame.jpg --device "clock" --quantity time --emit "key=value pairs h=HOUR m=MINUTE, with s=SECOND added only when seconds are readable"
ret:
h=5 m=4
